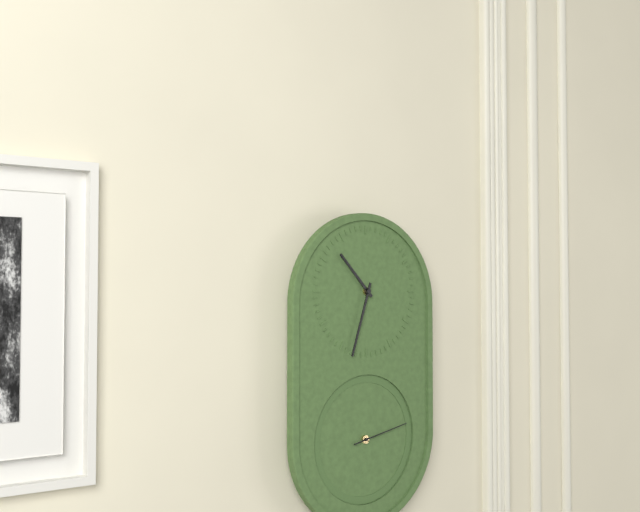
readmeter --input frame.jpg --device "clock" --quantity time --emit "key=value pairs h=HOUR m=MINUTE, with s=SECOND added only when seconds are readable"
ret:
h=10 m=33 s=13
